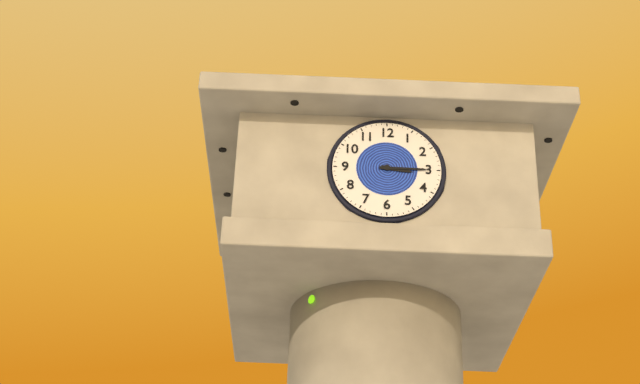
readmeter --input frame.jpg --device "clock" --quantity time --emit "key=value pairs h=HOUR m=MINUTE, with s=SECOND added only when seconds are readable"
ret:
h=3 m=15
